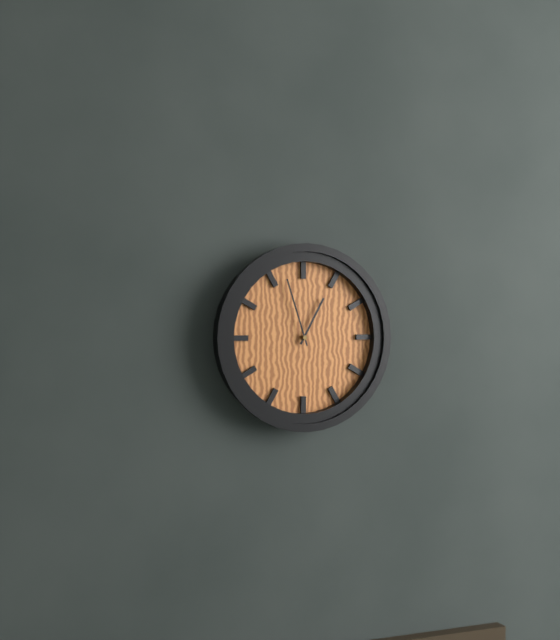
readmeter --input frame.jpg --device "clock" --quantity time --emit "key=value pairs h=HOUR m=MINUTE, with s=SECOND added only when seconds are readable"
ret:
h=12 m=57
